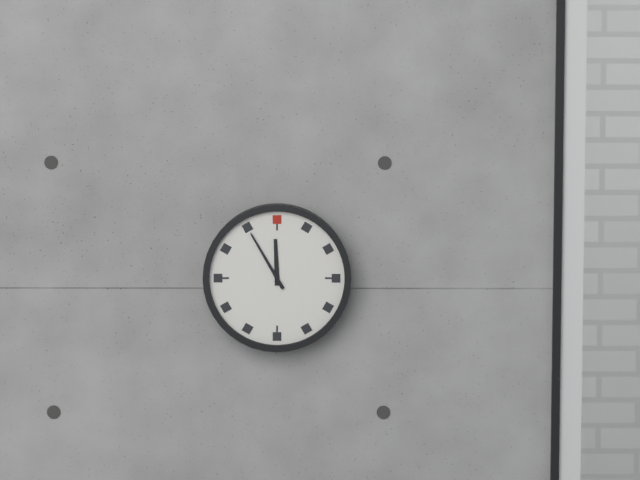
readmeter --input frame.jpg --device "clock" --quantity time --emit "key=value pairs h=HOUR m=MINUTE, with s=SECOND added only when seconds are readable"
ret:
h=11 m=55
